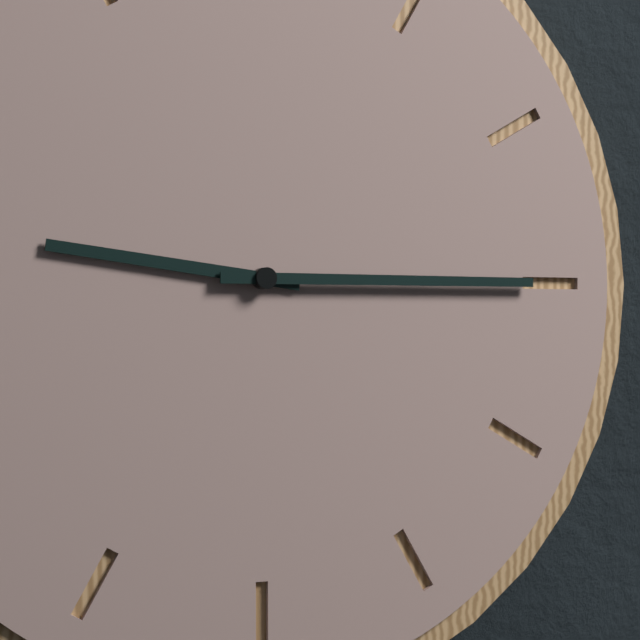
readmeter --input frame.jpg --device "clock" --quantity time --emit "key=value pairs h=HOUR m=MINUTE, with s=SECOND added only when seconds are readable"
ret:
h=9 m=15
